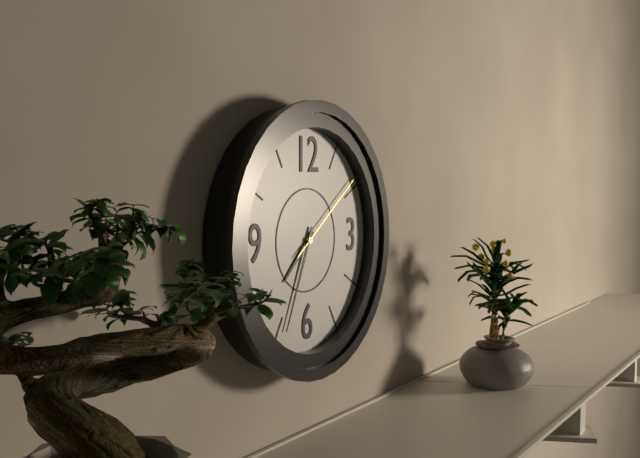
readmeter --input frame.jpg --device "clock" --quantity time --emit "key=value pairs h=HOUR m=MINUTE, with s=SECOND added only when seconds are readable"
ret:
h=7 m=34 s=9
